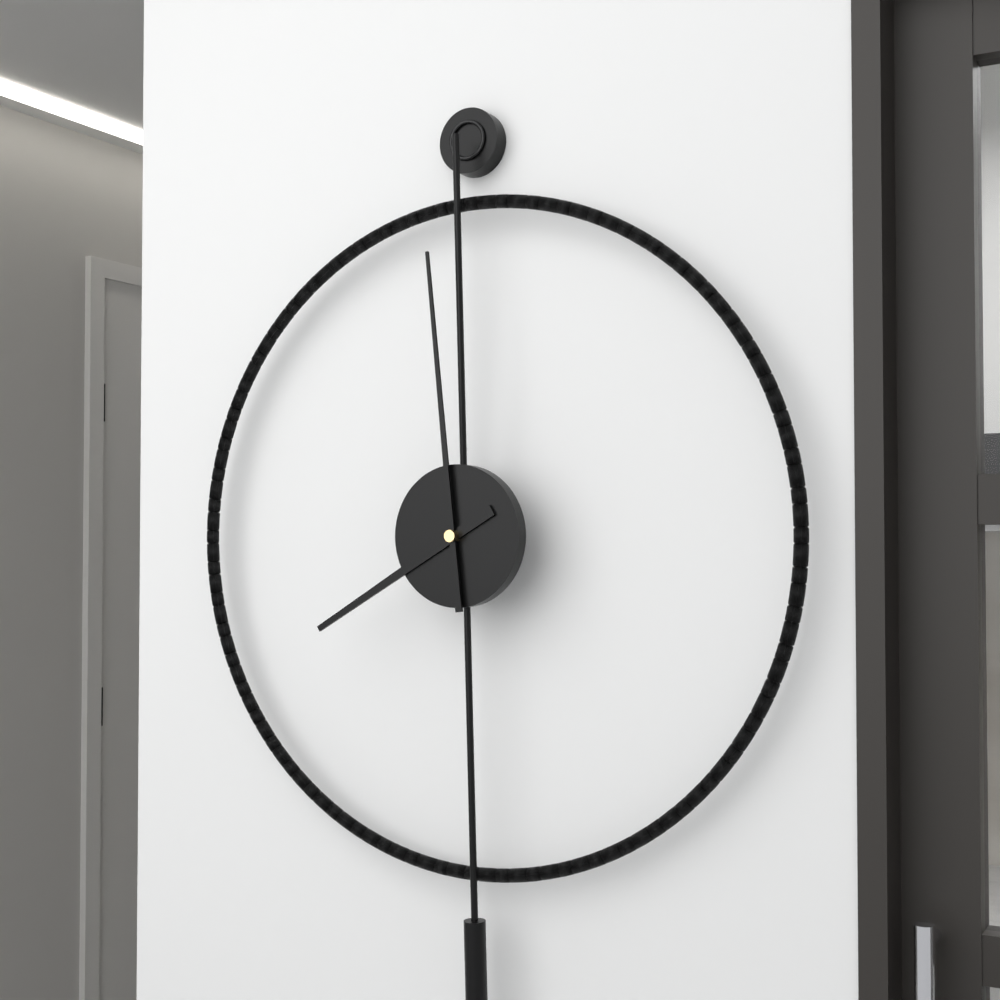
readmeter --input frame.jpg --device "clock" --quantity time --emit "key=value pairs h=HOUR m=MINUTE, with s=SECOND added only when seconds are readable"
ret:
h=7 m=59
